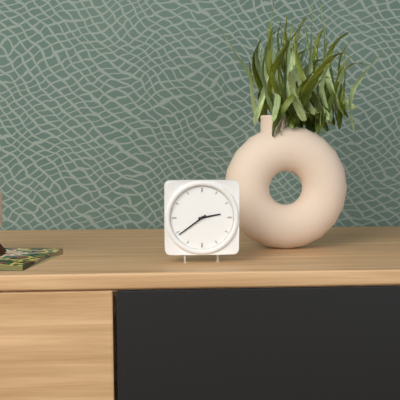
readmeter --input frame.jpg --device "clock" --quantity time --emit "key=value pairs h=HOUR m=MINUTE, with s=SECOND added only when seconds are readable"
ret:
h=2 m=39
